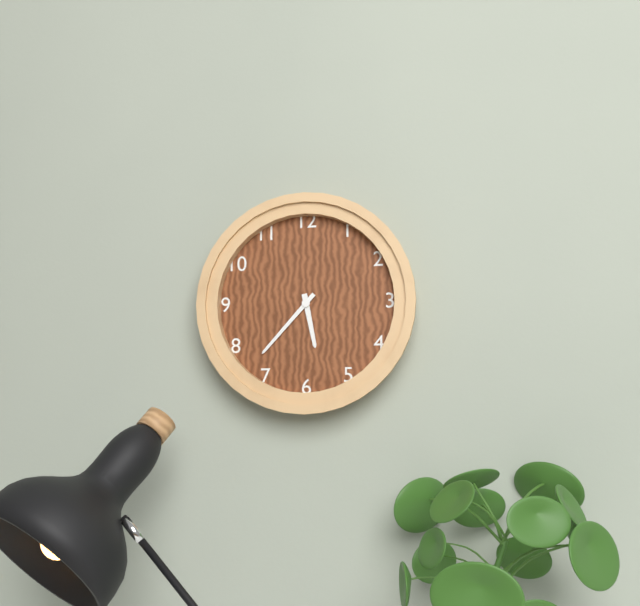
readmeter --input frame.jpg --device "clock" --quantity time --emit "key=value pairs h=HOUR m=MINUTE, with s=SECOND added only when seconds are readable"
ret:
h=5 m=37
